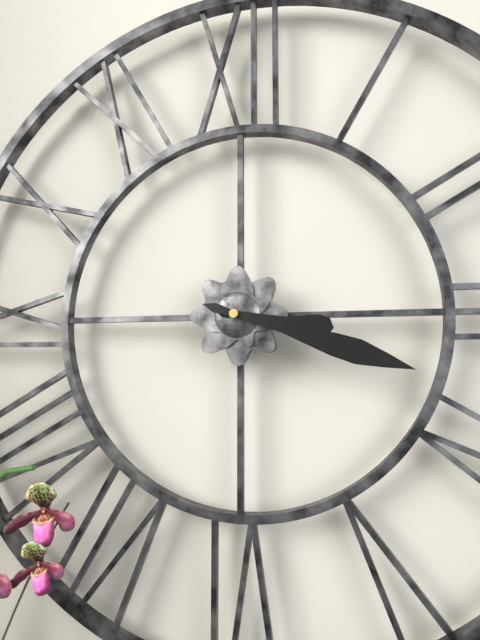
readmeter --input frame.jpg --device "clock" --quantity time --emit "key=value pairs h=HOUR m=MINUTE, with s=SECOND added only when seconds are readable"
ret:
h=3 m=18
